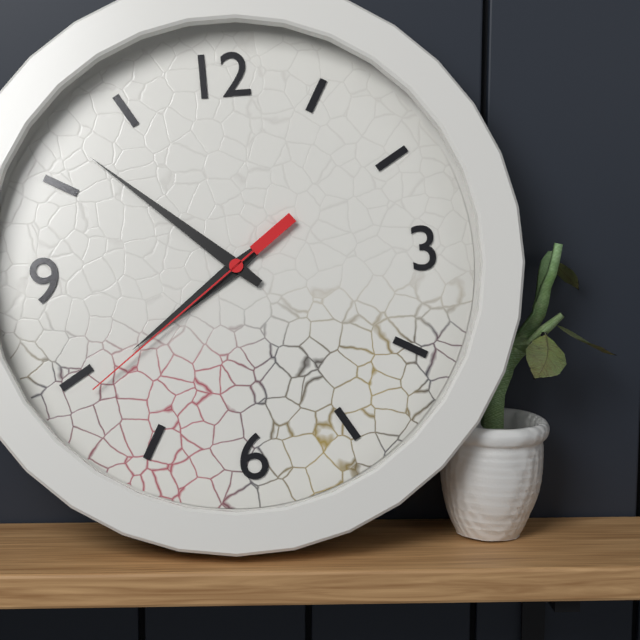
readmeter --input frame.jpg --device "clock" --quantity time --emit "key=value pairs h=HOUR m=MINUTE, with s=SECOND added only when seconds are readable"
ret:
h=7 m=52 s=39
